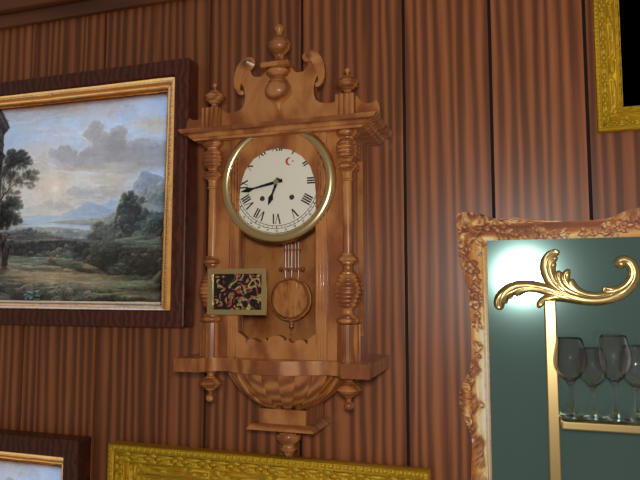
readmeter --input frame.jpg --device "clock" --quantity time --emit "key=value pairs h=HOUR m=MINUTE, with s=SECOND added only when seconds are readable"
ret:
h=6 m=43
